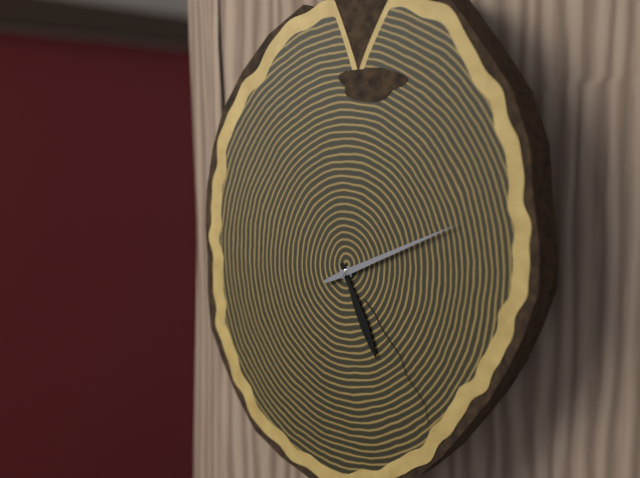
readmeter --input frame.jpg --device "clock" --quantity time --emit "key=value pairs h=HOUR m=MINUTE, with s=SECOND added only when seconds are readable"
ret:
h=5 m=11
